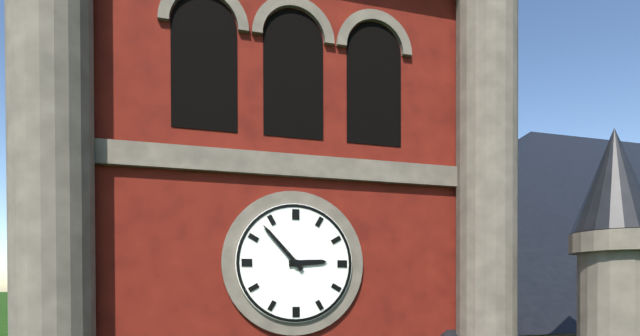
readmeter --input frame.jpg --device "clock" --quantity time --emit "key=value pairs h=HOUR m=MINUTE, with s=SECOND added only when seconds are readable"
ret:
h=2 m=53
